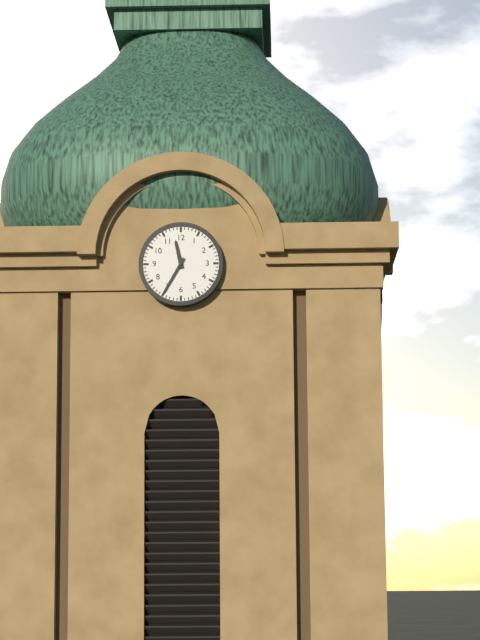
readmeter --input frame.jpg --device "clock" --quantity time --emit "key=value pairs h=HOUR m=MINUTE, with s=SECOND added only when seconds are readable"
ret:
h=11 m=35
